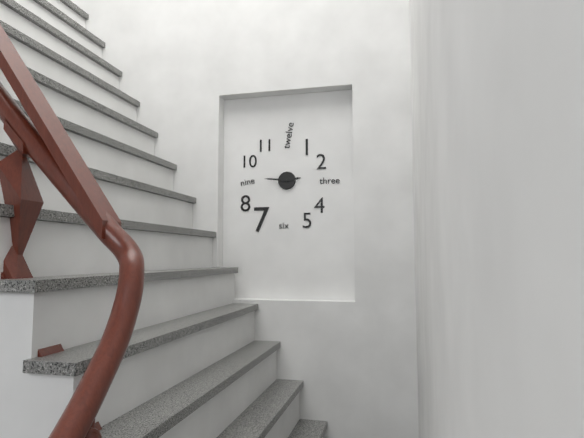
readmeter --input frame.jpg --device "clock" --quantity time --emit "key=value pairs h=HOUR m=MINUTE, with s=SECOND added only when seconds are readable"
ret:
h=2 m=46
